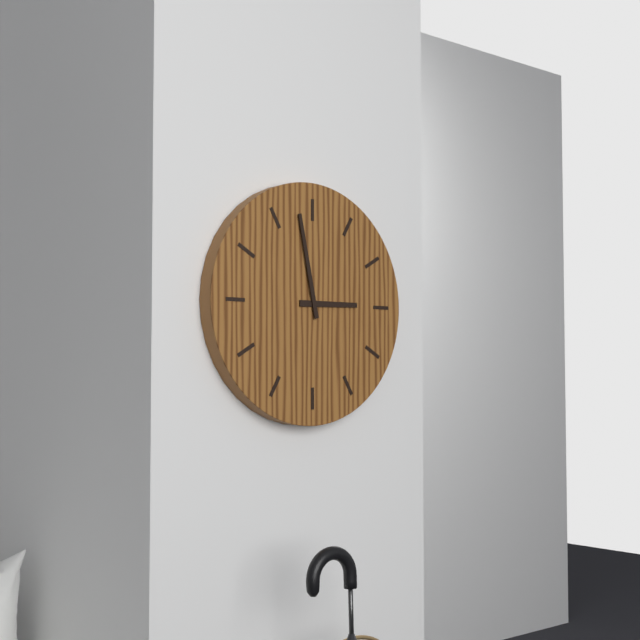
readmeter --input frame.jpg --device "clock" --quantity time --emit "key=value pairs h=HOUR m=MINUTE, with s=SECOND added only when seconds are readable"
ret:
h=2 m=58
